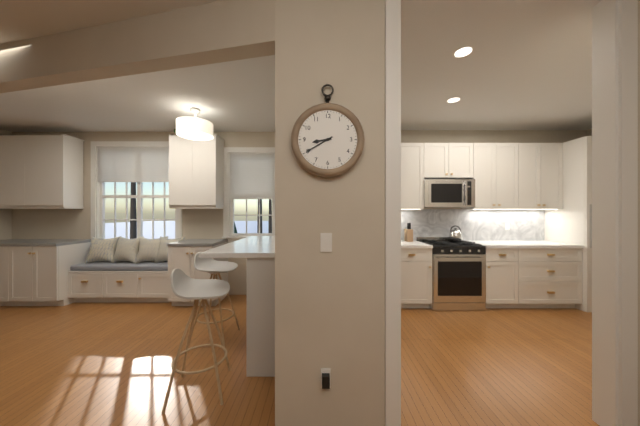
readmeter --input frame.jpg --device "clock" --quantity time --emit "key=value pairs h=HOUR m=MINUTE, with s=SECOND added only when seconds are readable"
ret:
h=8 m=40
